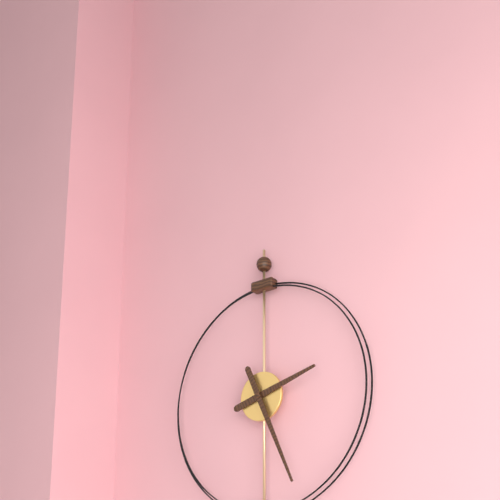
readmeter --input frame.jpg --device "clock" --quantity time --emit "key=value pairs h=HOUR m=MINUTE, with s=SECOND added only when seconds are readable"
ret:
h=2 m=26
